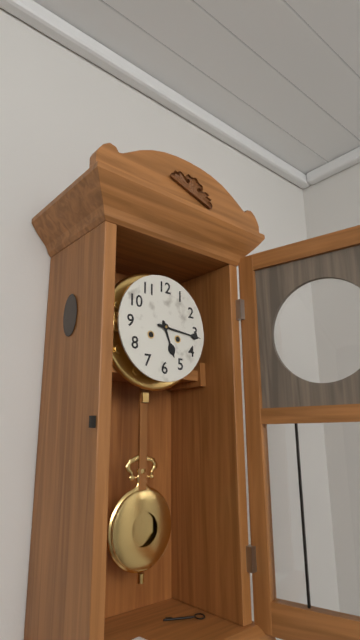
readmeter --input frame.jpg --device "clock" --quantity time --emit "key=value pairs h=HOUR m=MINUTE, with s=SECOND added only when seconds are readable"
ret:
h=5 m=16
